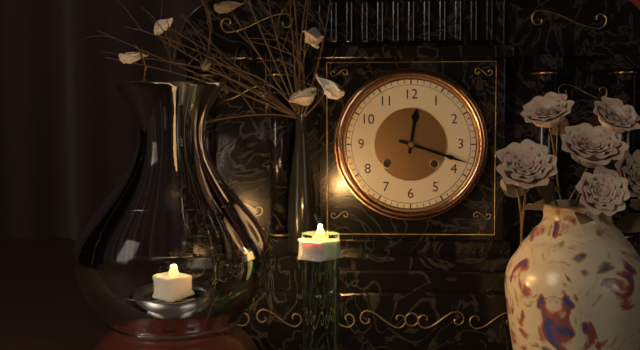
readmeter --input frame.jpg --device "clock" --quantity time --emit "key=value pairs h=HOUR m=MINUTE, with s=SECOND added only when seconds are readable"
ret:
h=12 m=18
